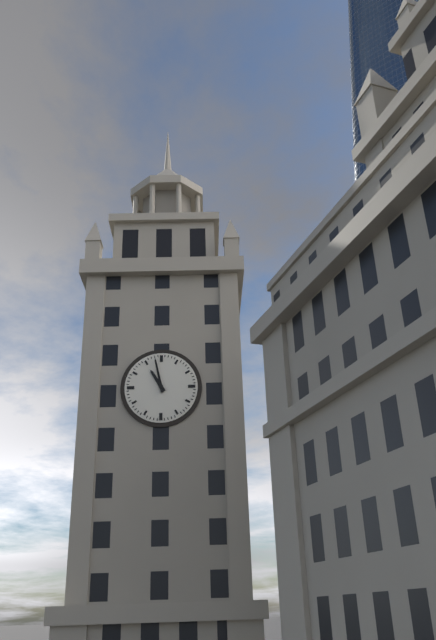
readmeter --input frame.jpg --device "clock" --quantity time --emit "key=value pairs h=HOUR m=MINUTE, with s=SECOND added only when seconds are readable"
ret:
h=10 m=58
